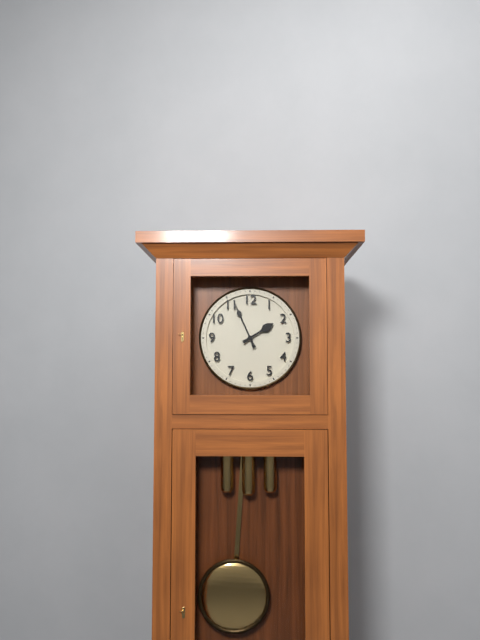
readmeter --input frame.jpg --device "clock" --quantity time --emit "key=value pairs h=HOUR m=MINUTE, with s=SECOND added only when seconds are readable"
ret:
h=1 m=56
